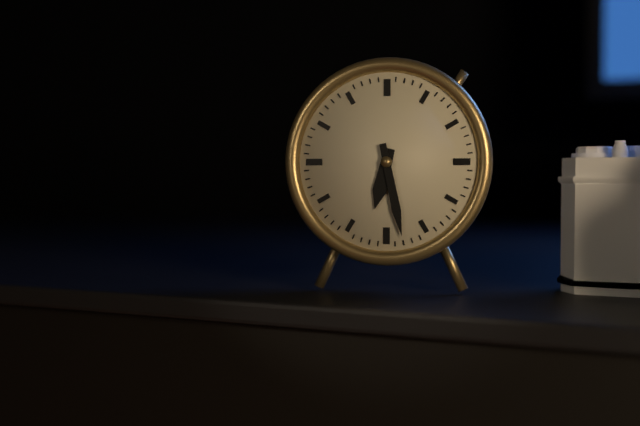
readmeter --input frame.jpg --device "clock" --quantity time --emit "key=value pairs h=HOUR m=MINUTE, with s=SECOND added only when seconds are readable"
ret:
h=6 m=28
